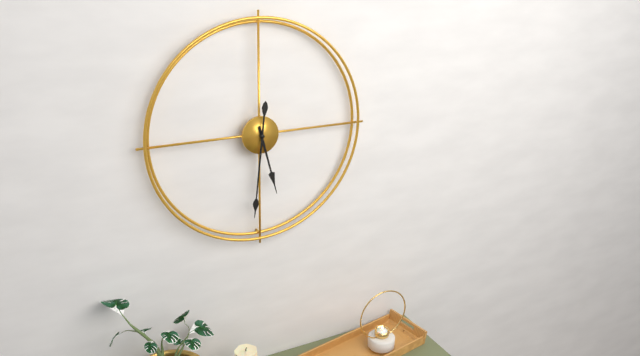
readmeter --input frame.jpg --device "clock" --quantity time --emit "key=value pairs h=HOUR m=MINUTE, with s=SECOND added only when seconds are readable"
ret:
h=5 m=31
